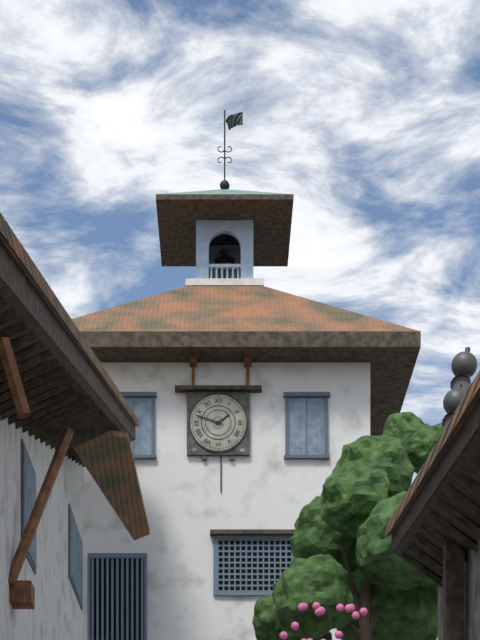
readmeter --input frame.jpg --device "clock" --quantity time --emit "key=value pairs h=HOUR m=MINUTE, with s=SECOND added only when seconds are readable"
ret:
h=1 m=48
